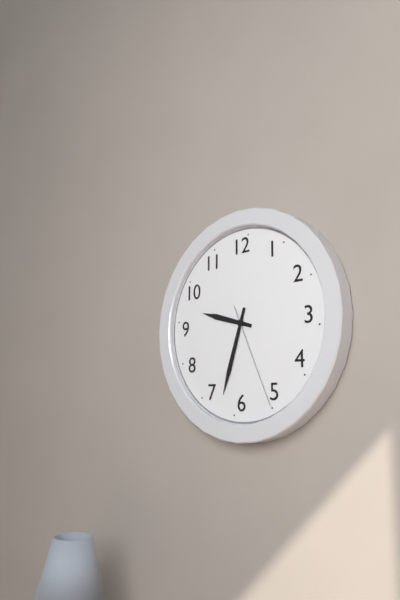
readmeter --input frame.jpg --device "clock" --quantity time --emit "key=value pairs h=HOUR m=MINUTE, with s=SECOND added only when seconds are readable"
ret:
h=9 m=33 s=26
